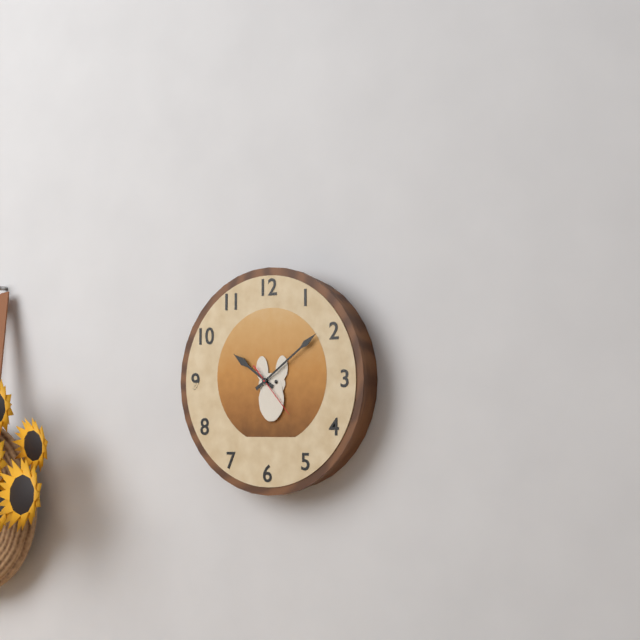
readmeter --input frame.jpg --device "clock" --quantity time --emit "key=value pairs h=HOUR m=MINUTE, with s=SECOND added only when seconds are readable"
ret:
h=10 m=9 s=23
